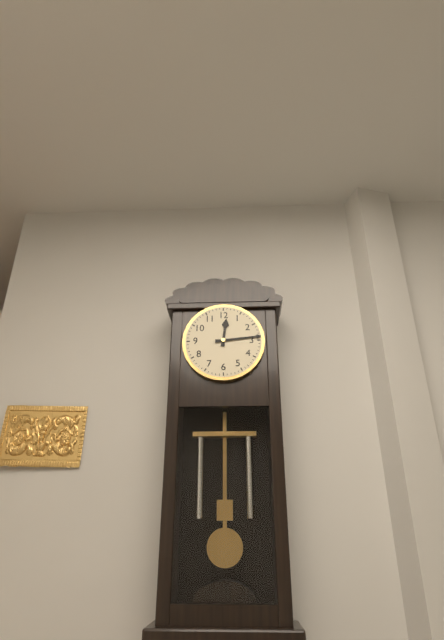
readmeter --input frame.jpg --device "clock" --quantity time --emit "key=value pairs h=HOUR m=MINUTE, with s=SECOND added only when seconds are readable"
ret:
h=12 m=14
